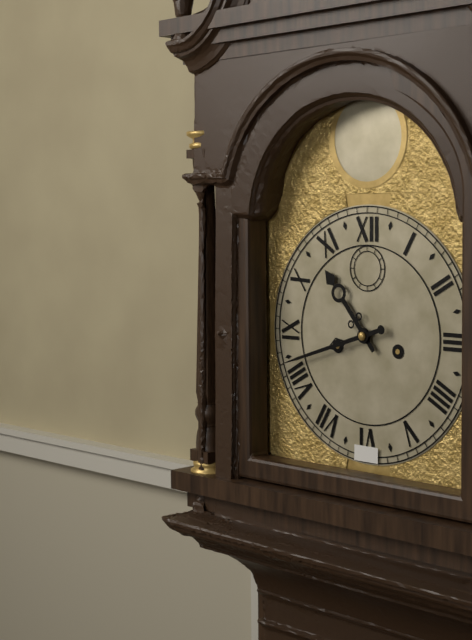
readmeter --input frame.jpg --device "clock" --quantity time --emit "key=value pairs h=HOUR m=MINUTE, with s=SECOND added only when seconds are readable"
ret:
h=10 m=42
